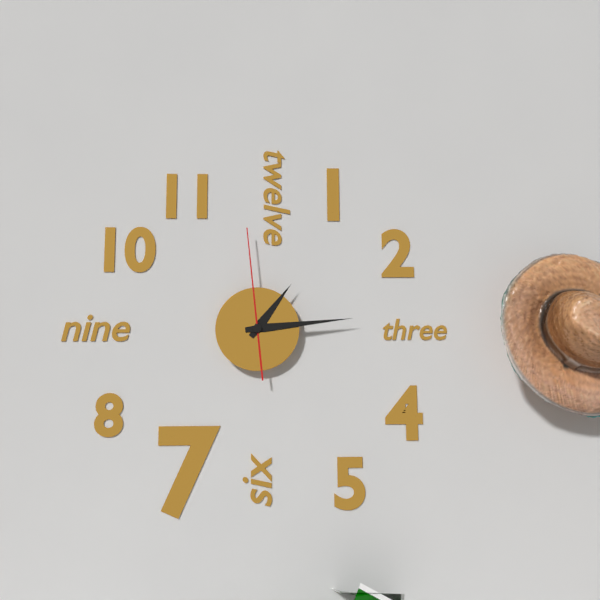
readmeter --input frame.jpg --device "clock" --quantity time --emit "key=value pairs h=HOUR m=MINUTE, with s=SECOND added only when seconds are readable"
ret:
h=1 m=14 s=59
